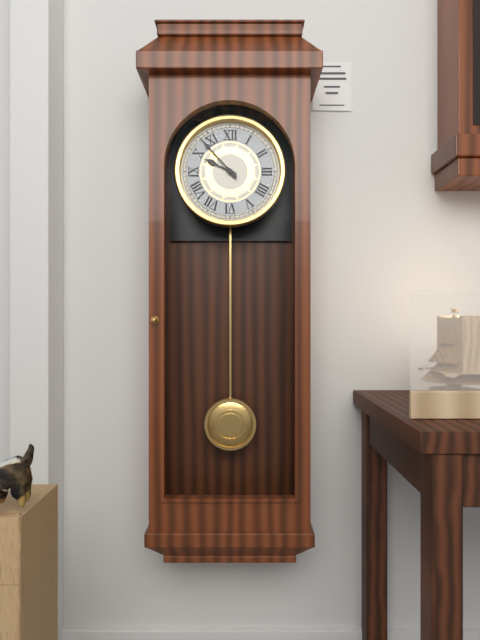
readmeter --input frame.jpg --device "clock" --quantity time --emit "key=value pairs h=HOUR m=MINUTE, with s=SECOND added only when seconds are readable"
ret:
h=9 m=53
